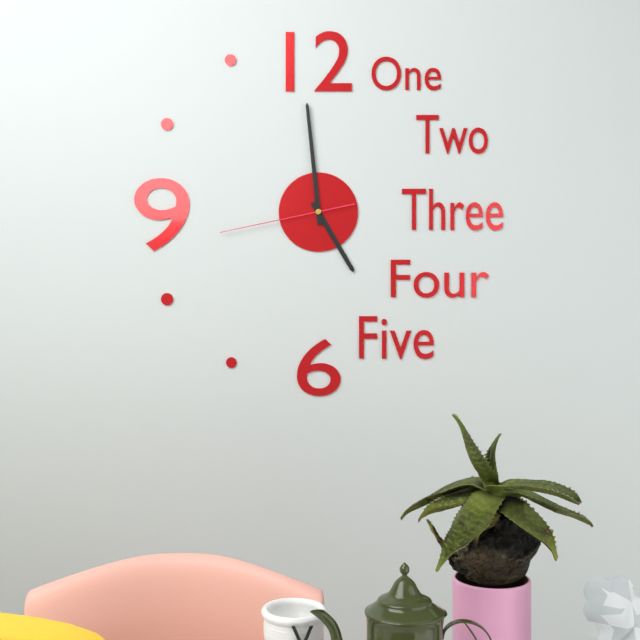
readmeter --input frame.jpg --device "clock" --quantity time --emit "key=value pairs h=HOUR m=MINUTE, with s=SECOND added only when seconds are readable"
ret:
h=4 m=59 s=43
